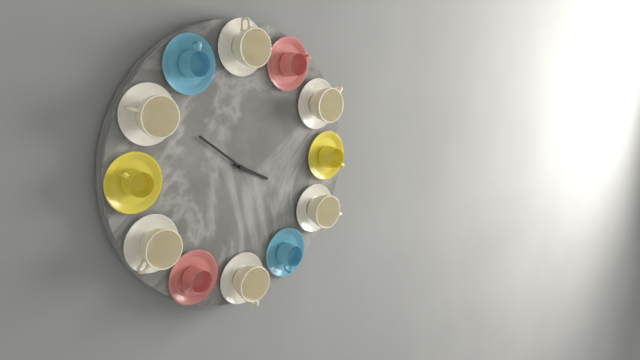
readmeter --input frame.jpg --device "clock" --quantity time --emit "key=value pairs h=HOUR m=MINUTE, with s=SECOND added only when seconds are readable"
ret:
h=3 m=51
